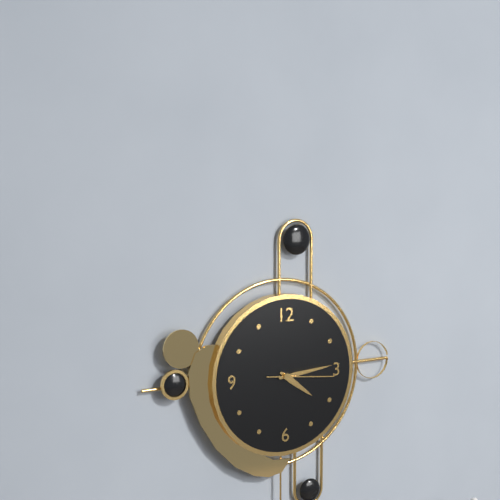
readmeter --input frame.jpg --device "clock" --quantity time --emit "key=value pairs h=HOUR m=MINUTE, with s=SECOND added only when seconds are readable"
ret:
h=4 m=14 s=16
